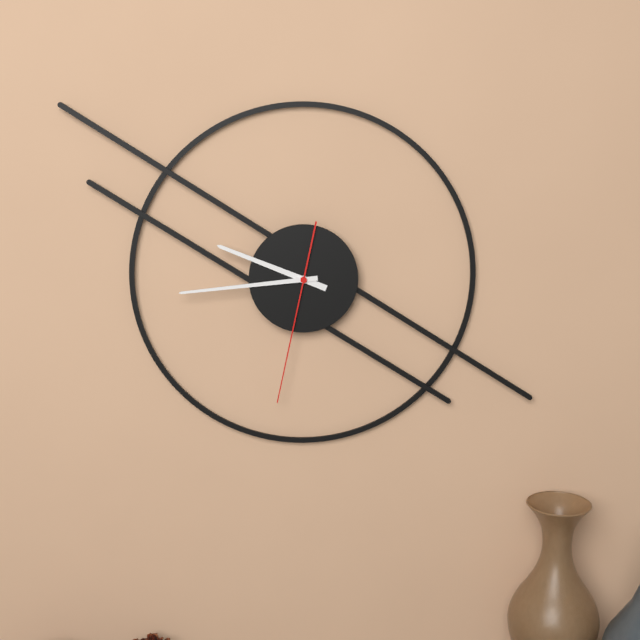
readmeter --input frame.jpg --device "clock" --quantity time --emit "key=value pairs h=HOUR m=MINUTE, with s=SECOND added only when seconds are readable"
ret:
h=9 m=44 s=32
